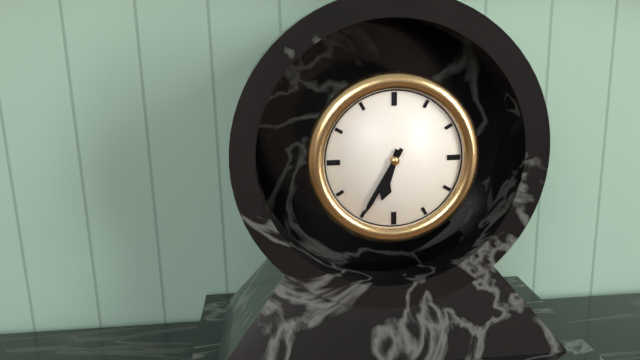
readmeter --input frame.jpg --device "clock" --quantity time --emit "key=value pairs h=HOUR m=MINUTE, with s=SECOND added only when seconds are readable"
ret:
h=6 m=35
